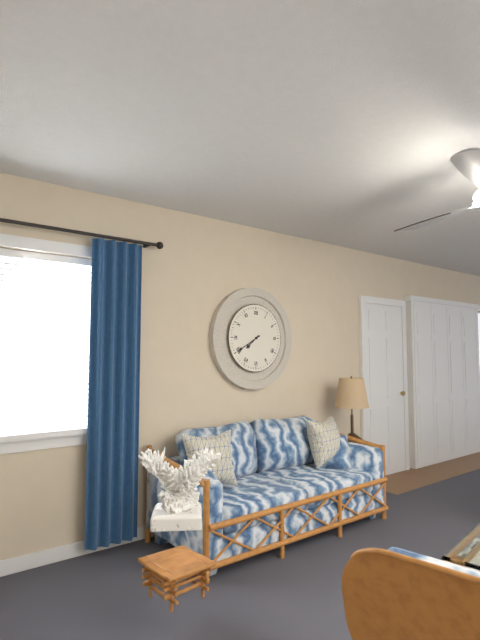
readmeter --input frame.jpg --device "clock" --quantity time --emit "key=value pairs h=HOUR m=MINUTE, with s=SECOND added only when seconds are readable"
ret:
h=7 m=40
